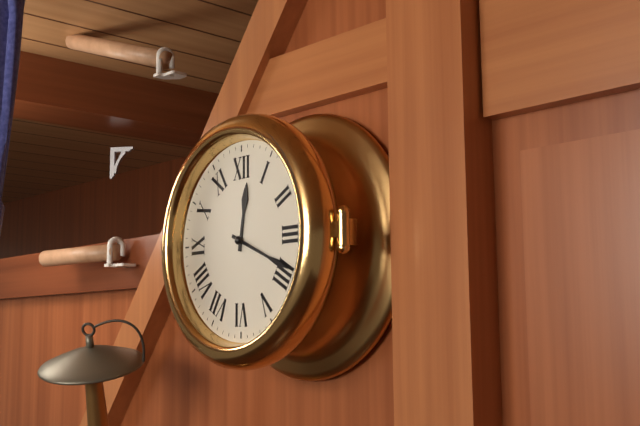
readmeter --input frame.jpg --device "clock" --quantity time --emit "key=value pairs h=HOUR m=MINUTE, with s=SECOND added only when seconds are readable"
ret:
h=12 m=19
